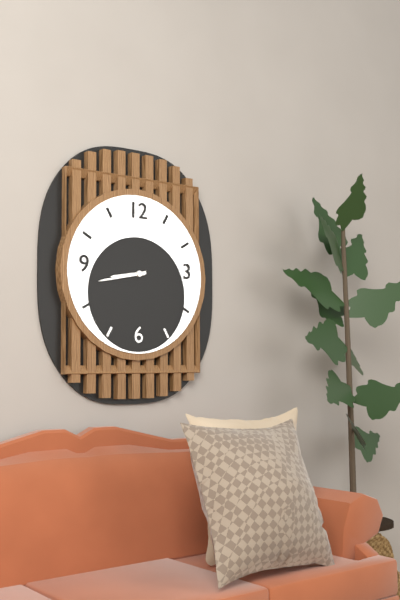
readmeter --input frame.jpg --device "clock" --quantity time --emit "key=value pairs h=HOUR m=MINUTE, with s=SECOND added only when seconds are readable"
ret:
h=8 m=43
